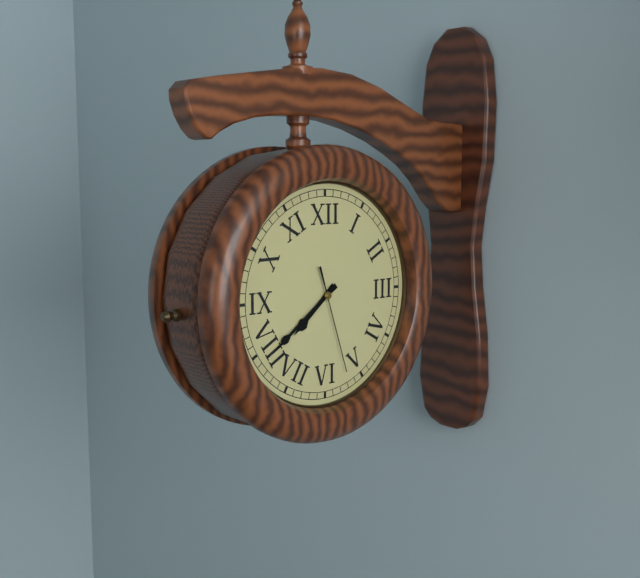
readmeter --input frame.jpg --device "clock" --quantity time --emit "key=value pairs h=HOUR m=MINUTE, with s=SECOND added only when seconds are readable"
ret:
h=7 m=39 s=27
